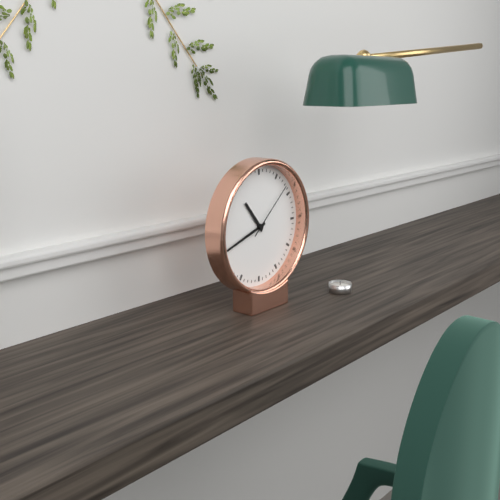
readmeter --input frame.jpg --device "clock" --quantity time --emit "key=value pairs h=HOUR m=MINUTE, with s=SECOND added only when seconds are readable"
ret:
h=10 m=42 s=8
